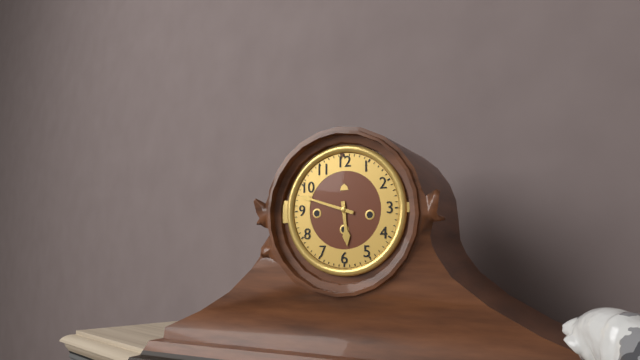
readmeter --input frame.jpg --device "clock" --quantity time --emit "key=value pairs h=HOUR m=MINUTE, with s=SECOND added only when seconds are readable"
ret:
h=5 m=48
